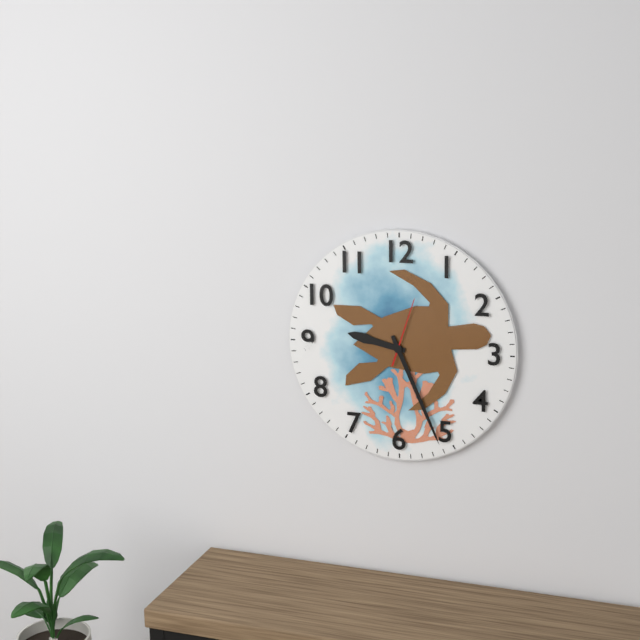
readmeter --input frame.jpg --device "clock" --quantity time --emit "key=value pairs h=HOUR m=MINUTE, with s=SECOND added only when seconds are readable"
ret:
h=9 m=26 s=3
